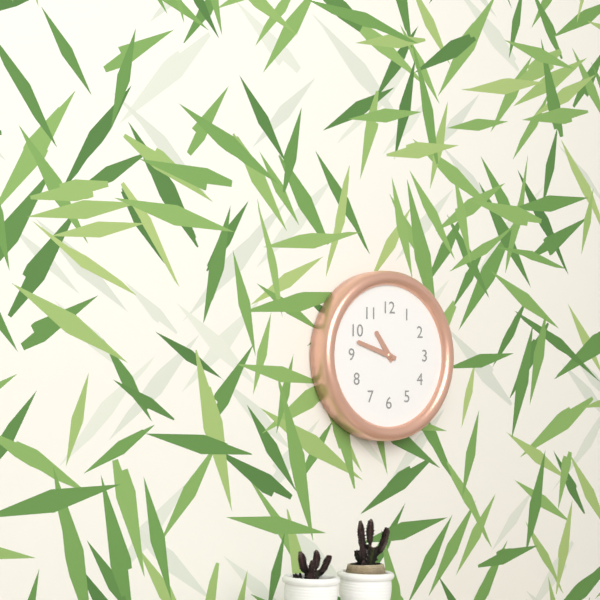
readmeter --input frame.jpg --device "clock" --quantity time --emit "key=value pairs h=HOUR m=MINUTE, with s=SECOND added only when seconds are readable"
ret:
h=10 m=48
